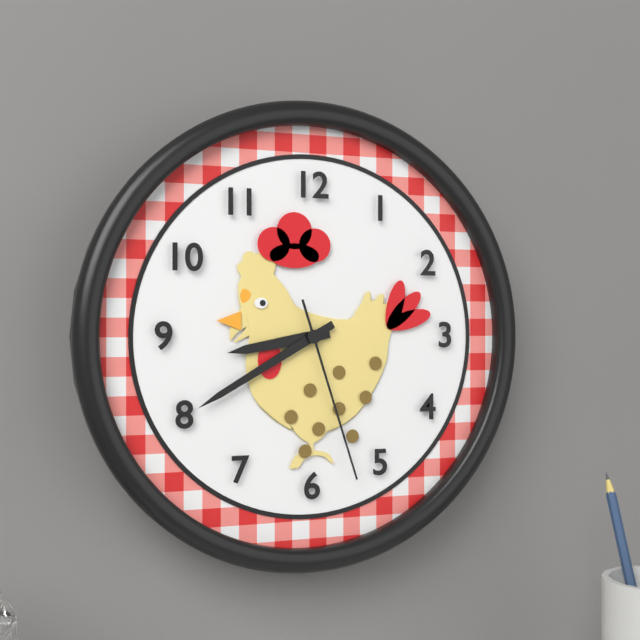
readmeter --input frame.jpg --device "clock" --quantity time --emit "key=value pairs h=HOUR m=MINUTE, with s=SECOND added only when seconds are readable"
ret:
h=8 m=40 s=27
